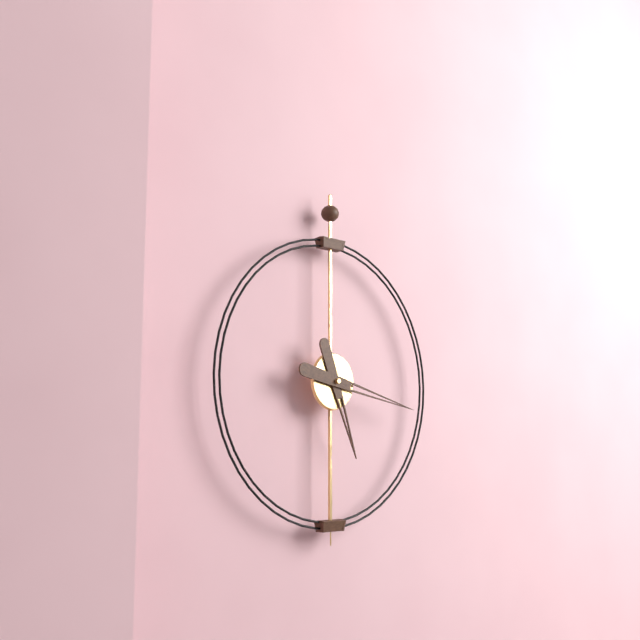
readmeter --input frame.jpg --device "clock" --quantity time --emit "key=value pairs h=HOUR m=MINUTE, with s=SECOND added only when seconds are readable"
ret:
h=5 m=17
